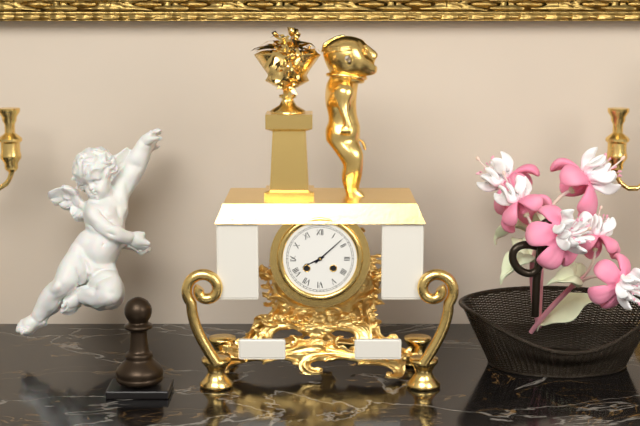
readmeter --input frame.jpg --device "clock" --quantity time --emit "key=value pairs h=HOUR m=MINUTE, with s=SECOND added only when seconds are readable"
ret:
h=8 m=8
